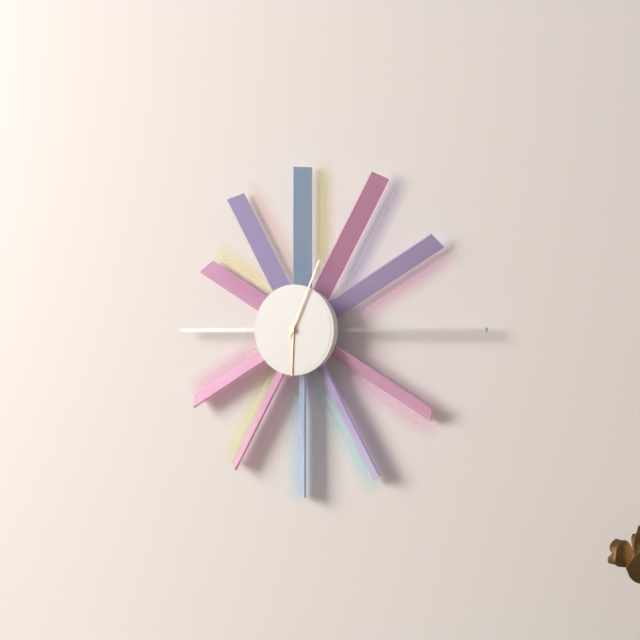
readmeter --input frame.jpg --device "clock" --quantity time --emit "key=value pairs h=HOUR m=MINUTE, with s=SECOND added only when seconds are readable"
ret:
h=6 m=4
